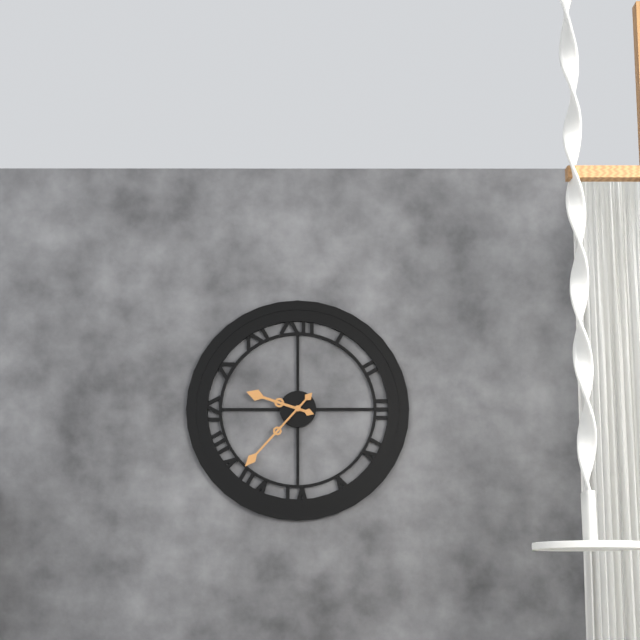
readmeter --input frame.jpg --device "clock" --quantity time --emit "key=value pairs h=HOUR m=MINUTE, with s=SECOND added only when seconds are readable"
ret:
h=9 m=37
